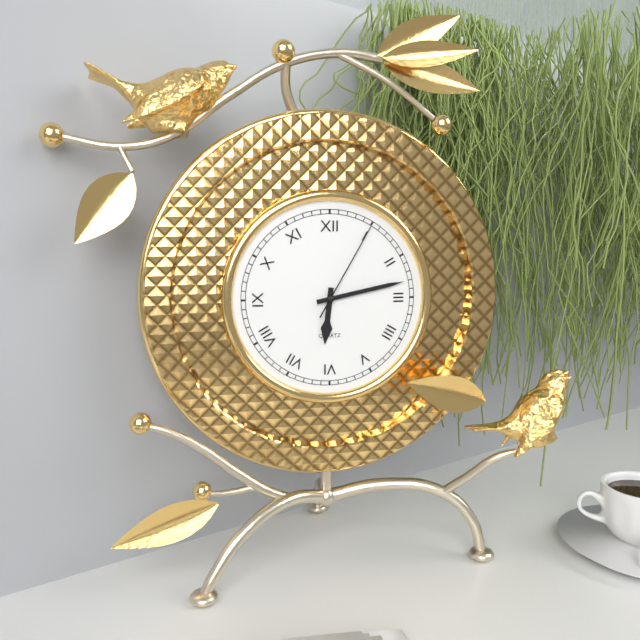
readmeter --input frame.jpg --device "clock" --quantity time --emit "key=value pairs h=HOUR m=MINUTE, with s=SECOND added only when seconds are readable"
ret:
h=6 m=13 s=5
